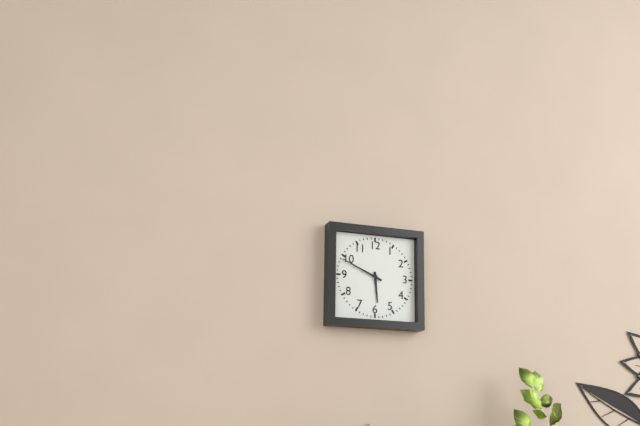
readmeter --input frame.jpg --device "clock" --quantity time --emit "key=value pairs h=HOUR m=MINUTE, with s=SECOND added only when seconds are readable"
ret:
h=5 m=49
